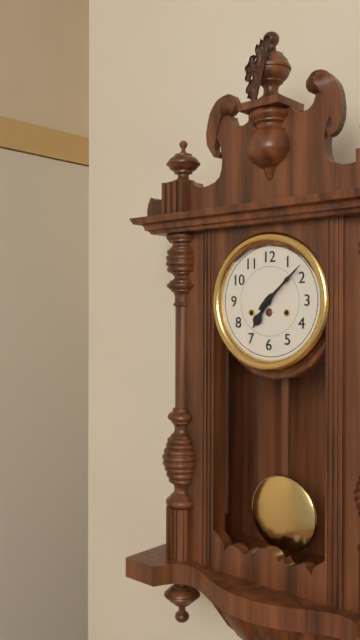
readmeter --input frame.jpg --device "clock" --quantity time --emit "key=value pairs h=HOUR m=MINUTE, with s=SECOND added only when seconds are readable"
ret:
h=7 m=8
